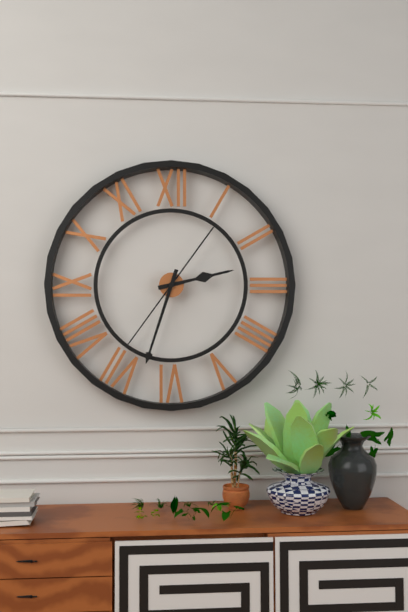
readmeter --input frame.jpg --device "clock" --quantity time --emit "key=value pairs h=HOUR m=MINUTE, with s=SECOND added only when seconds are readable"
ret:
h=2 m=33 s=36
